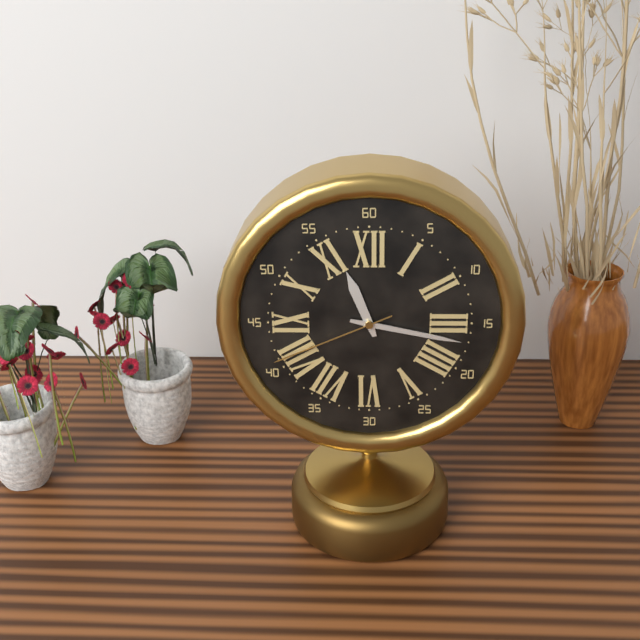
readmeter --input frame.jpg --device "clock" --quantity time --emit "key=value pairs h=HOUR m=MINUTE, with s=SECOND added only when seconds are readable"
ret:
h=11 m=17 s=41
